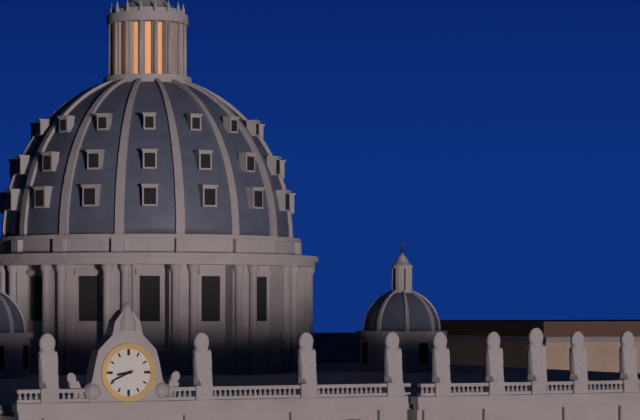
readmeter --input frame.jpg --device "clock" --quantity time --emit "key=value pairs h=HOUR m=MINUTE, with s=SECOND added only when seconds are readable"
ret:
h=8 m=41
